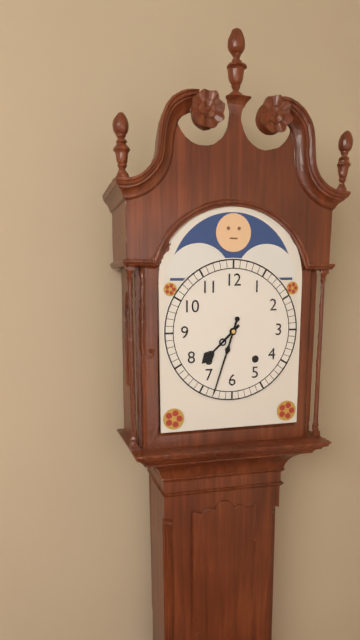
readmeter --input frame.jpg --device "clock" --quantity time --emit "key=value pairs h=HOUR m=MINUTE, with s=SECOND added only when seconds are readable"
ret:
h=7 m=33
